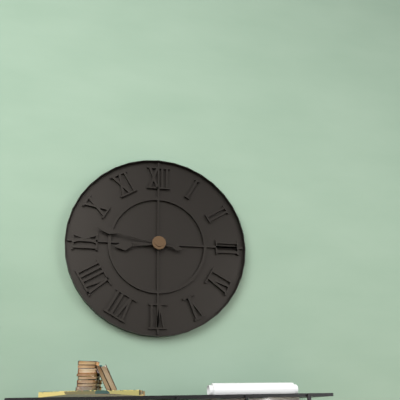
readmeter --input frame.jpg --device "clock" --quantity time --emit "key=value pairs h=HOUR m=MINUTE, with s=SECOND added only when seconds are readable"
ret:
h=8 m=47
